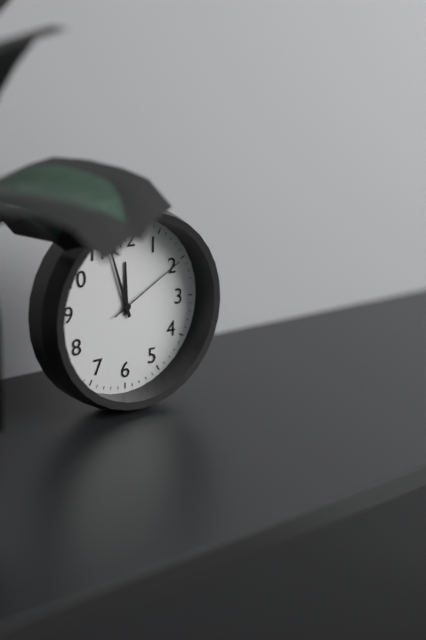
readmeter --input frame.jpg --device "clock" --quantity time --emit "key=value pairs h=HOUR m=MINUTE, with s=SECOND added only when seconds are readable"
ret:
h=11 m=57 s=10
